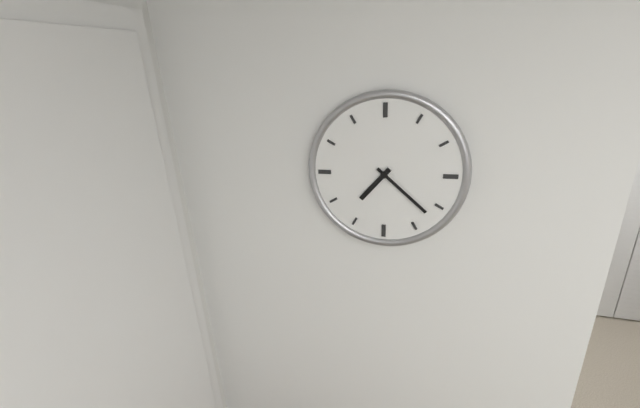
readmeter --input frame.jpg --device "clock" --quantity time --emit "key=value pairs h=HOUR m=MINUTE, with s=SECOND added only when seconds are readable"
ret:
h=7 m=22
